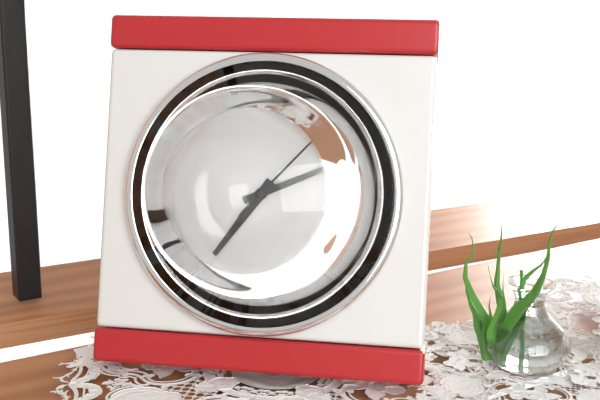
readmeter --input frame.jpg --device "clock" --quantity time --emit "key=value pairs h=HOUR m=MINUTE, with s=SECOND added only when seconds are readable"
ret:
h=7 m=11 s=7
